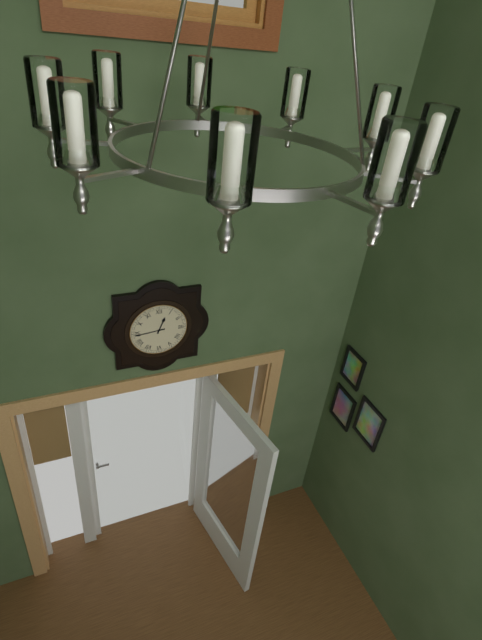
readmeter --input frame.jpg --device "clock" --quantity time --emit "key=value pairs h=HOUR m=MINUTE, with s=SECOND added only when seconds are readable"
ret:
h=12 m=44
